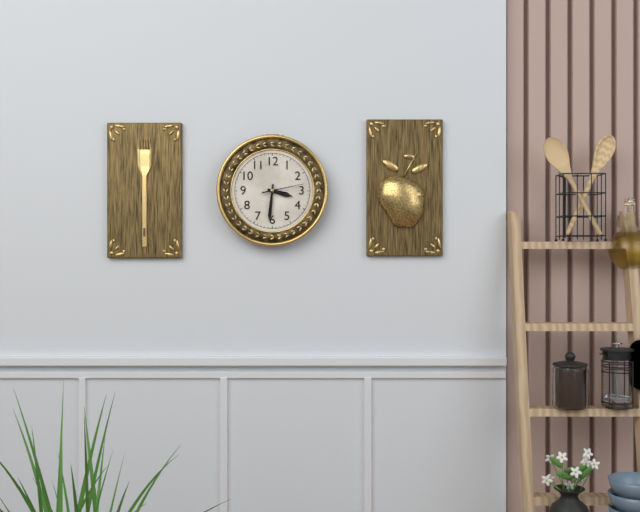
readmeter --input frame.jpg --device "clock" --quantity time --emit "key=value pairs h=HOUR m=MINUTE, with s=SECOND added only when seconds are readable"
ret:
h=3 m=31
